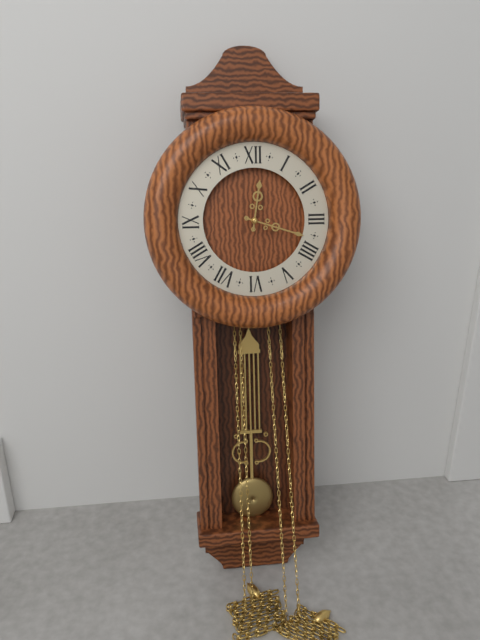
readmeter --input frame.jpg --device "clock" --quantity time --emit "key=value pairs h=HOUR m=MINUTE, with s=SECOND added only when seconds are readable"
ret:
h=12 m=18
